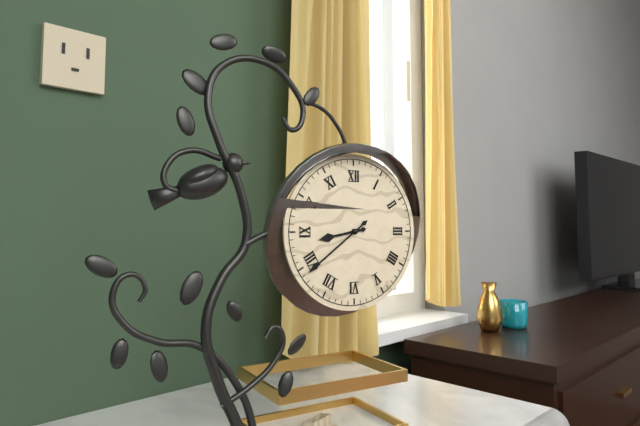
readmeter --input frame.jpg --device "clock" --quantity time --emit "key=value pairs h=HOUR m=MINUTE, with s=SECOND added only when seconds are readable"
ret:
h=8 m=39
